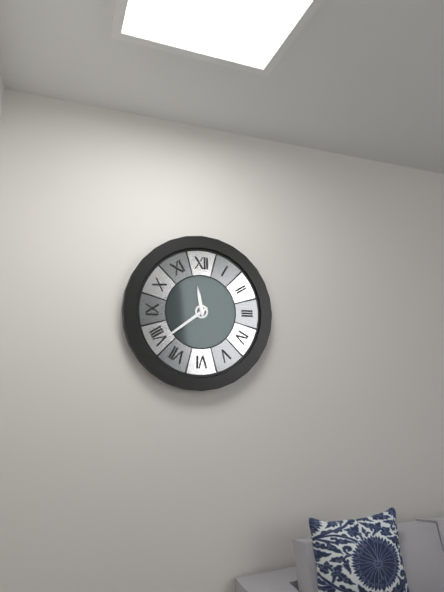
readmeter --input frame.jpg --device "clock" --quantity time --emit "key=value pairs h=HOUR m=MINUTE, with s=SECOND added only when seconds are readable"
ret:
h=11 m=39
